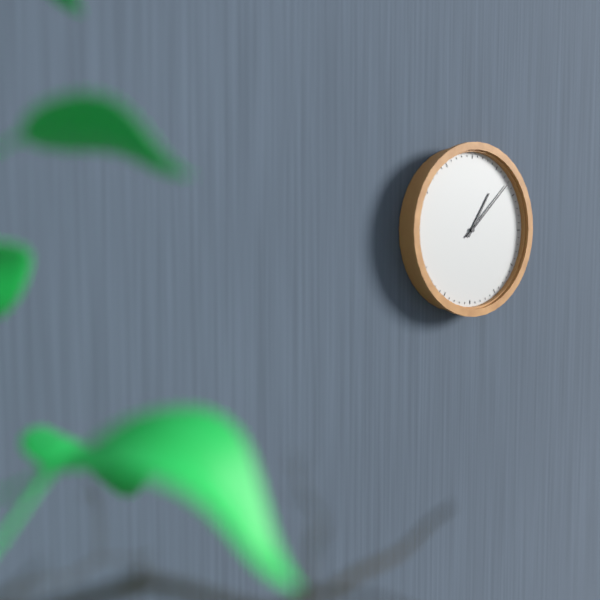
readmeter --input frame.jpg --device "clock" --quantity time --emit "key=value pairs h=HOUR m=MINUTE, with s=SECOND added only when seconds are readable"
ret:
h=1 m=8
